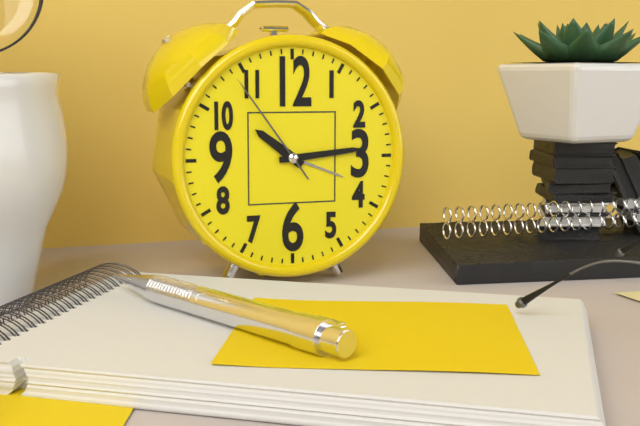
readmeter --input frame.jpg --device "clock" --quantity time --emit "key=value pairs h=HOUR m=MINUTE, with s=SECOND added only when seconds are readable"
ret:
h=10 m=14 s=54
